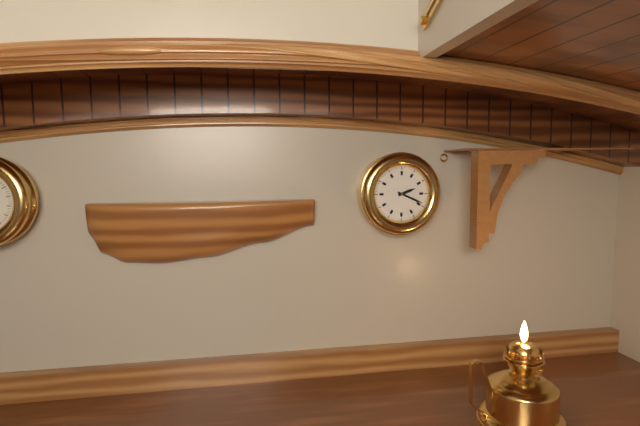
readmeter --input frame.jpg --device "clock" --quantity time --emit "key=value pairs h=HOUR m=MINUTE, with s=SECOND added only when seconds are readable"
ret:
h=2 m=19
